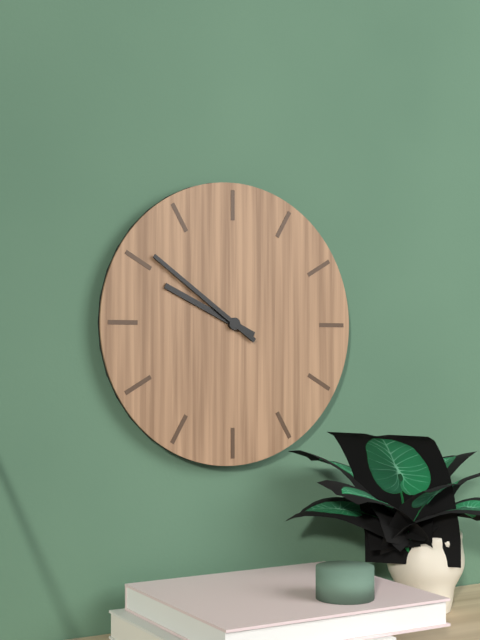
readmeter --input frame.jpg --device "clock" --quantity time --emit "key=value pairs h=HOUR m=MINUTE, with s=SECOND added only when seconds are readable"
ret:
h=9 m=51
